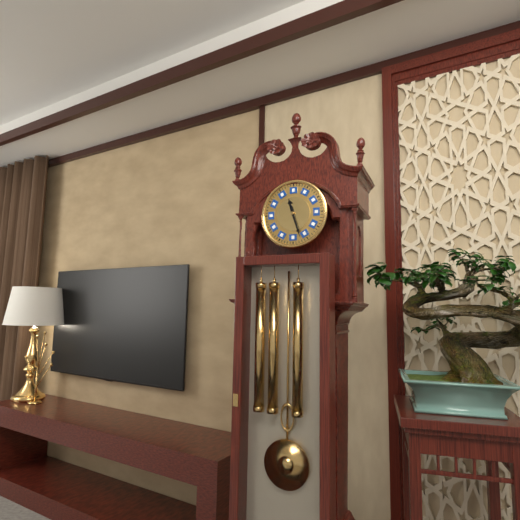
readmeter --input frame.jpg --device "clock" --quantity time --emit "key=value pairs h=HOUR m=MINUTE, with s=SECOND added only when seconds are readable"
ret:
h=11 m=27
